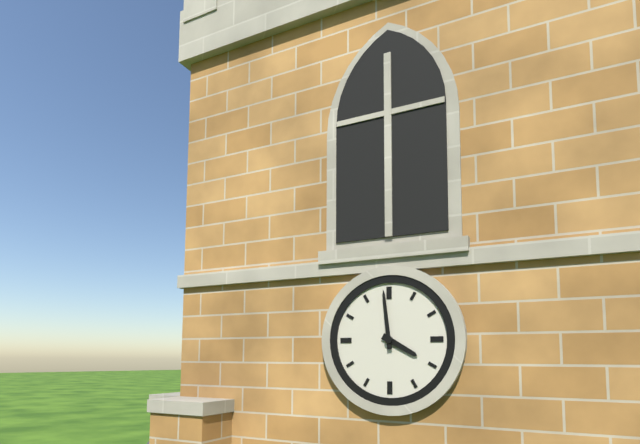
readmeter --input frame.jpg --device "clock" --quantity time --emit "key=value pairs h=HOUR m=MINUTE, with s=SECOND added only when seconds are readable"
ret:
h=3 m=59
